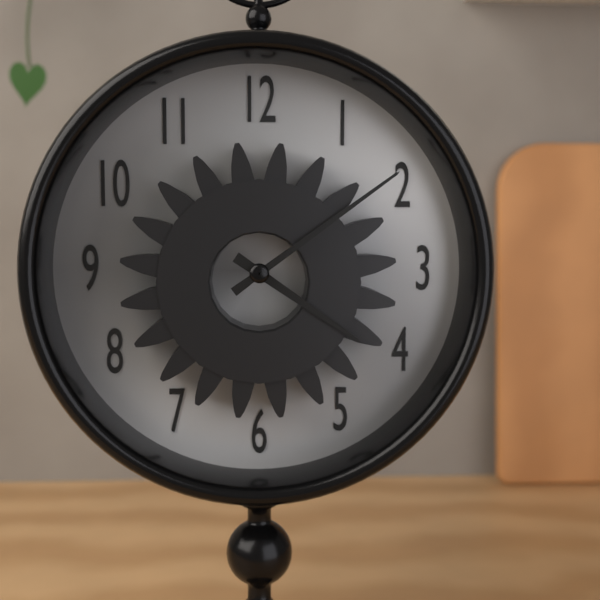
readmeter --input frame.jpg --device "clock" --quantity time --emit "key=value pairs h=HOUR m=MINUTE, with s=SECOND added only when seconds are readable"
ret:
h=4 m=9
